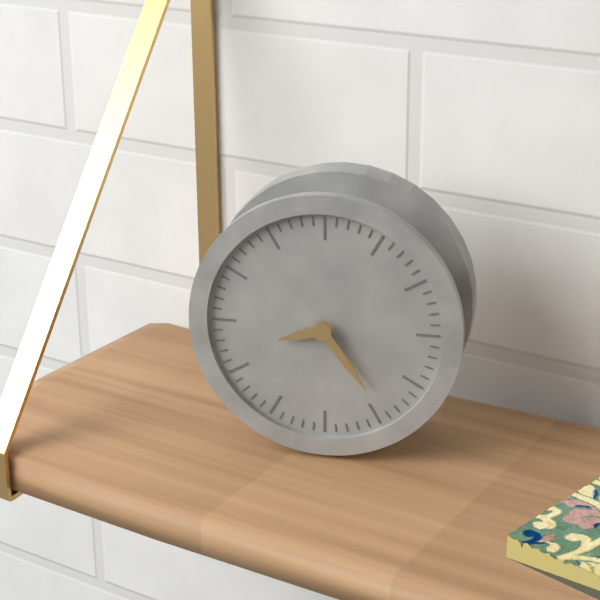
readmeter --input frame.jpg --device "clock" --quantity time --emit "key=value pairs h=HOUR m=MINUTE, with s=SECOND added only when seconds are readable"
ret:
h=8 m=24
